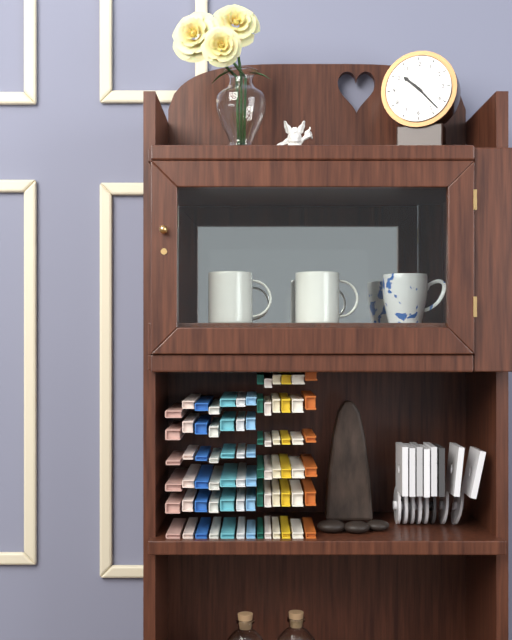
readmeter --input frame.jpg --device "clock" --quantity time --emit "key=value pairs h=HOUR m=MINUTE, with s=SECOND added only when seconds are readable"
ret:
h=10 m=23
